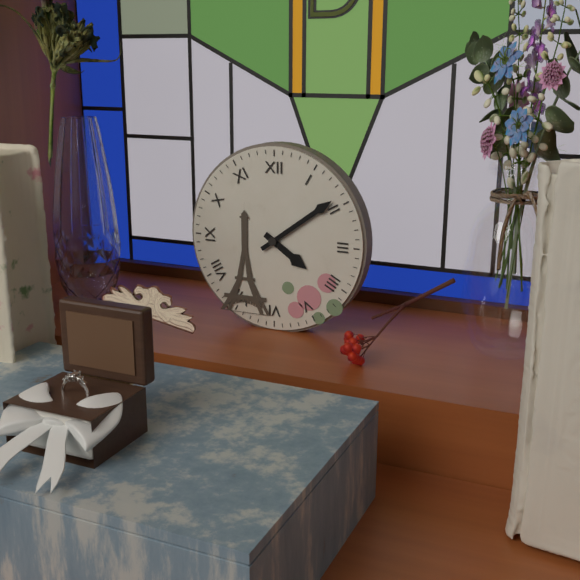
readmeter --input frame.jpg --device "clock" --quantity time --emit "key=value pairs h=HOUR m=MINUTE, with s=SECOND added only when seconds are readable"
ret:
h=4 m=9
